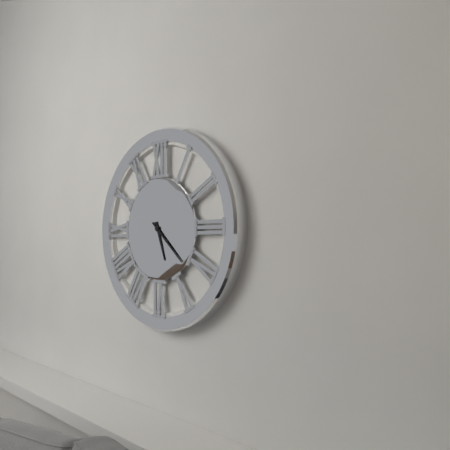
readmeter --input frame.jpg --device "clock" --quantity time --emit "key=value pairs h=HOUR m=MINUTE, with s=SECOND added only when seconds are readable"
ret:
h=5 m=22
